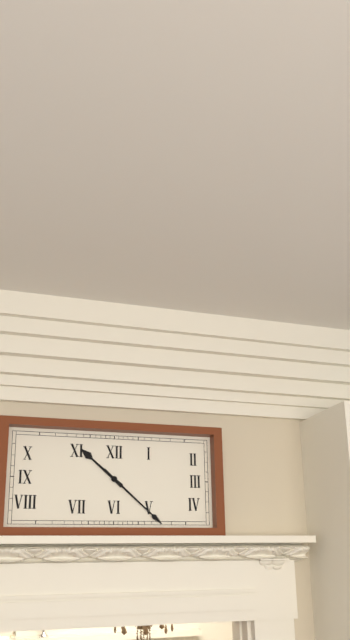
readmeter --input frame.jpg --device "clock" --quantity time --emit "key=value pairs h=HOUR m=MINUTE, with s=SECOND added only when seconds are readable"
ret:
h=10 m=22
